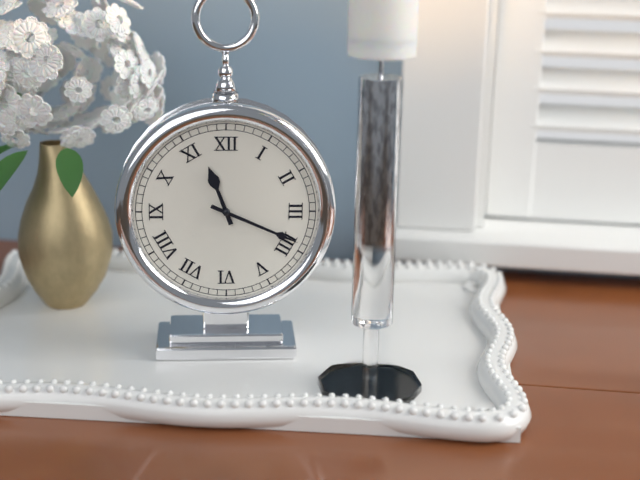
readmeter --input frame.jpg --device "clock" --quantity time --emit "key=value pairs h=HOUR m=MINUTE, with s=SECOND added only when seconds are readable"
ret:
h=11 m=19
